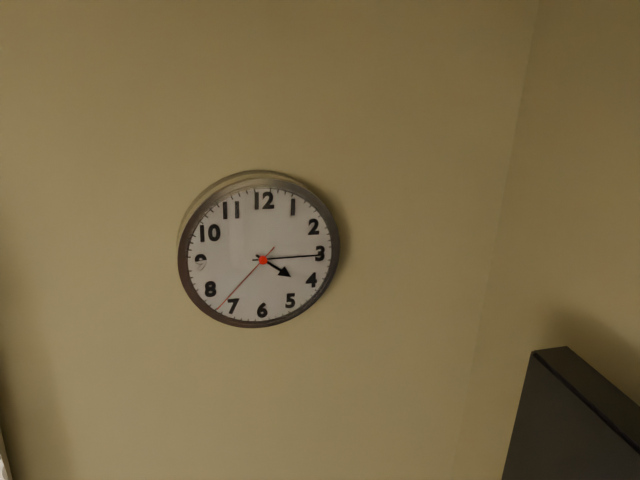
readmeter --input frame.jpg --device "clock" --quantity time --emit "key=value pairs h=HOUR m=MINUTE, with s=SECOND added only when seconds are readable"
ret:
h=4 m=15 s=37
